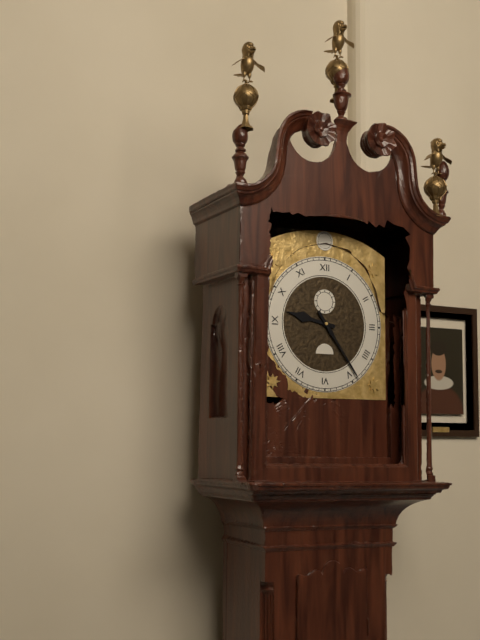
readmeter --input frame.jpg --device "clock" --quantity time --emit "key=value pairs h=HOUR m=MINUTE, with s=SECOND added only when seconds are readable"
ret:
h=9 m=24
